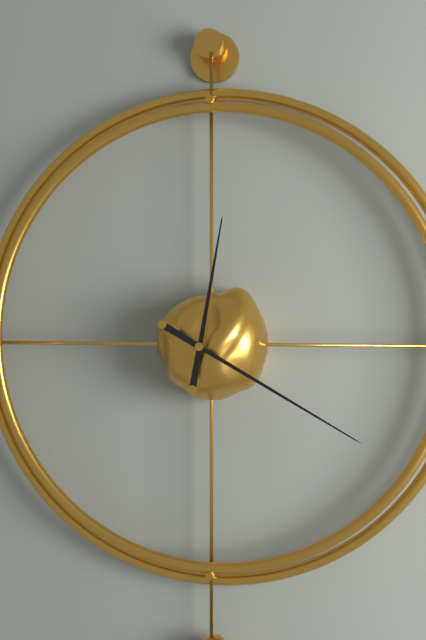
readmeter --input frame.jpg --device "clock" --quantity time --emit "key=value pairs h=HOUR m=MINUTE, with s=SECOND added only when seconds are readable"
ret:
h=12 m=20
